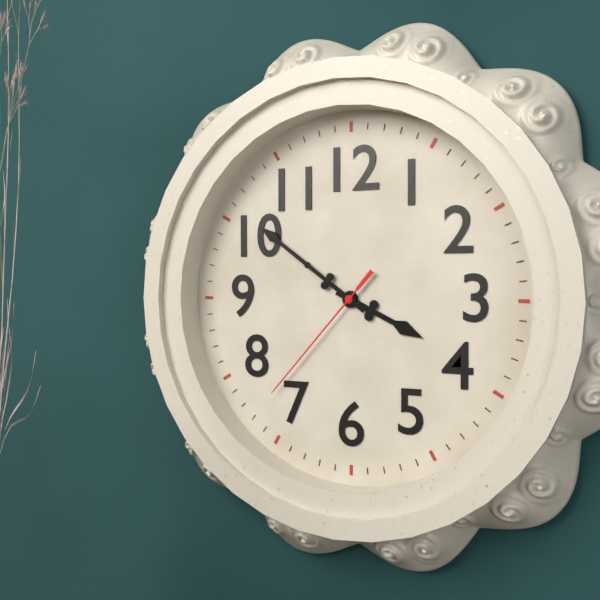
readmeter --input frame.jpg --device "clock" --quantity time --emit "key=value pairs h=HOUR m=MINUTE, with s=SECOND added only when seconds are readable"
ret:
h=3 m=51 s=37
